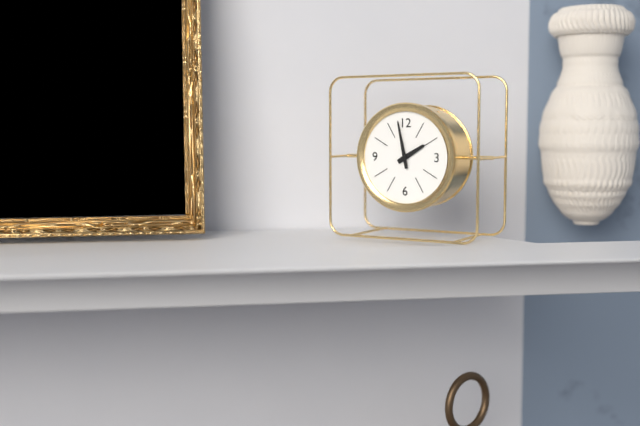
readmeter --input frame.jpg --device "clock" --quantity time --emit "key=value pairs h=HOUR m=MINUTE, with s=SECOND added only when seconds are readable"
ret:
h=1 m=58
